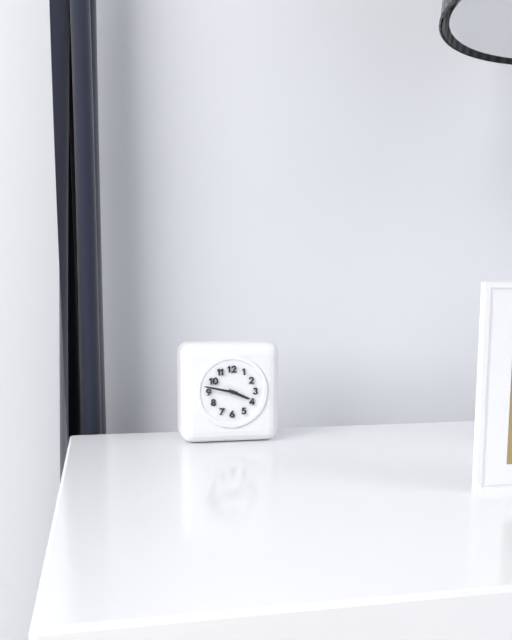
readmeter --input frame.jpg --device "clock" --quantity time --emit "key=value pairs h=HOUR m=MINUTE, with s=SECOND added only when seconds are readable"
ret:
h=3 m=47
